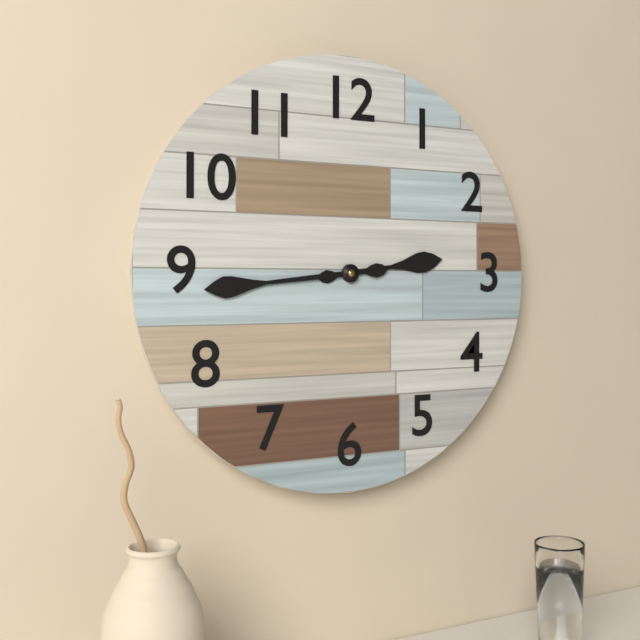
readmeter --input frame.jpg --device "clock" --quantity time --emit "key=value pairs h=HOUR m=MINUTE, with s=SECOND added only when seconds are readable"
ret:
h=2 m=44
